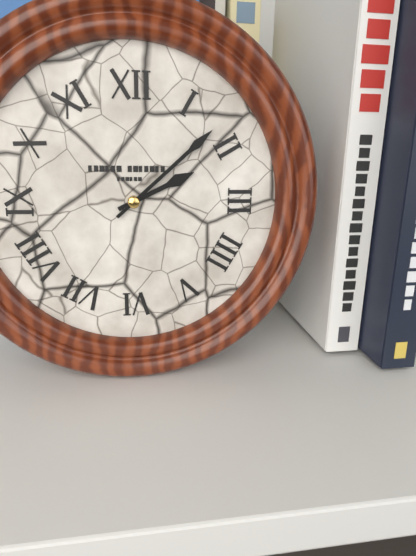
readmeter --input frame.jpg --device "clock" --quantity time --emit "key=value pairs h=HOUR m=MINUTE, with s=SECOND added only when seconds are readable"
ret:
h=2 m=8
